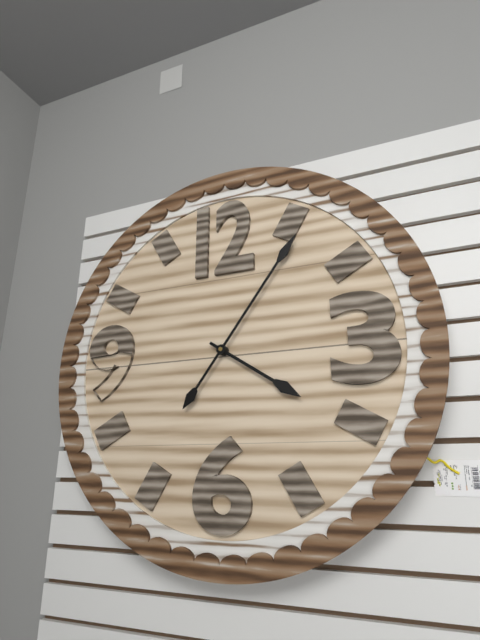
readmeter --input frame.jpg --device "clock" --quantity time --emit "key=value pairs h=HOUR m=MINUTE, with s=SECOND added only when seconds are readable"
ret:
h=4 m=6
